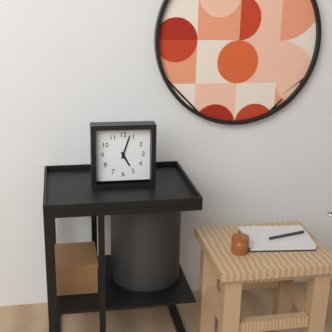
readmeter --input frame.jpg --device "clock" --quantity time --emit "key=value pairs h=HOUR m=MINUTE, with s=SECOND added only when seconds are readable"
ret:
h=5 m=3
